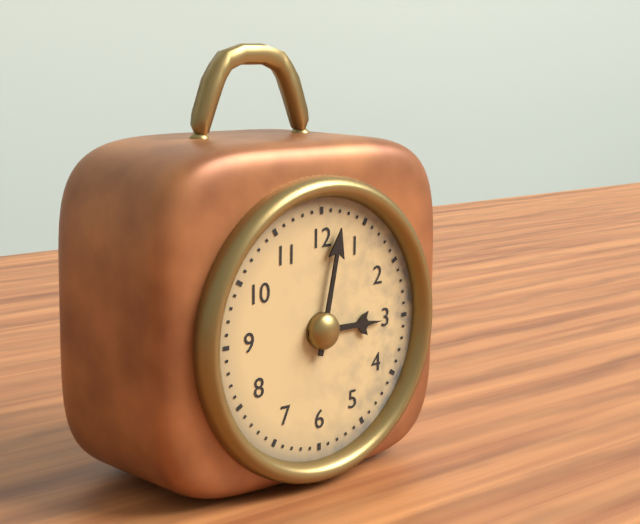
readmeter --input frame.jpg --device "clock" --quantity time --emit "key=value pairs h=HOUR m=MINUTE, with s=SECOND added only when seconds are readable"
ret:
h=3 m=2
